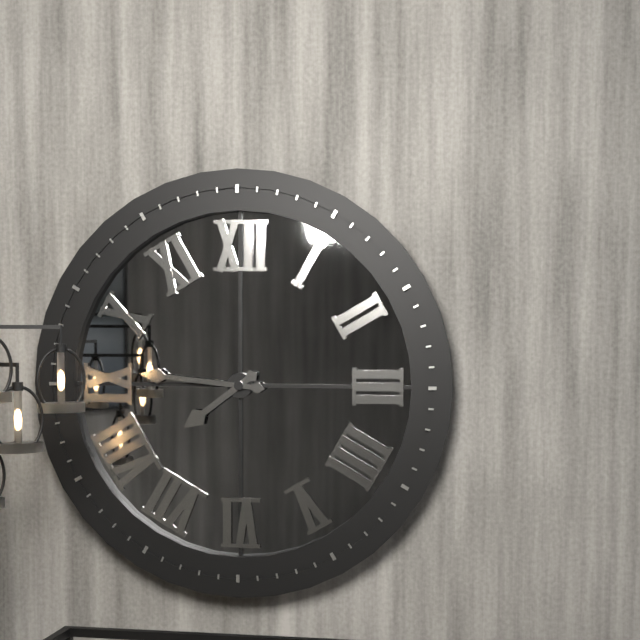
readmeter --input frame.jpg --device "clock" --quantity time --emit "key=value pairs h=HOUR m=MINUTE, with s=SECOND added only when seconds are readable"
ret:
h=7 m=46
